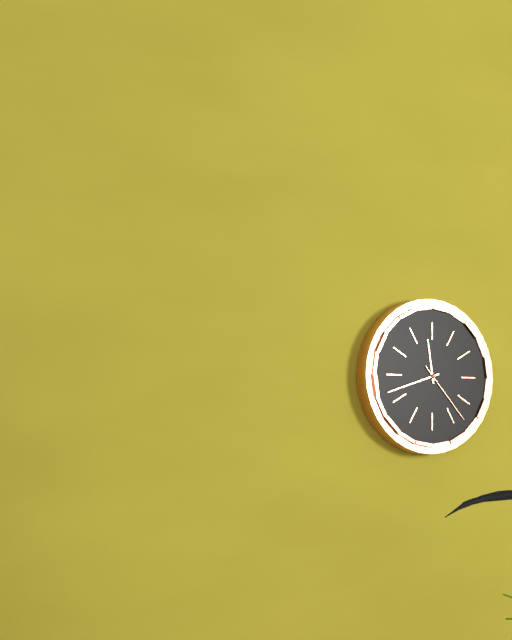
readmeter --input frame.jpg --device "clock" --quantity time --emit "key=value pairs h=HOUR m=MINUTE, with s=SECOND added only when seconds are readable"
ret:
h=11 m=42 s=23
